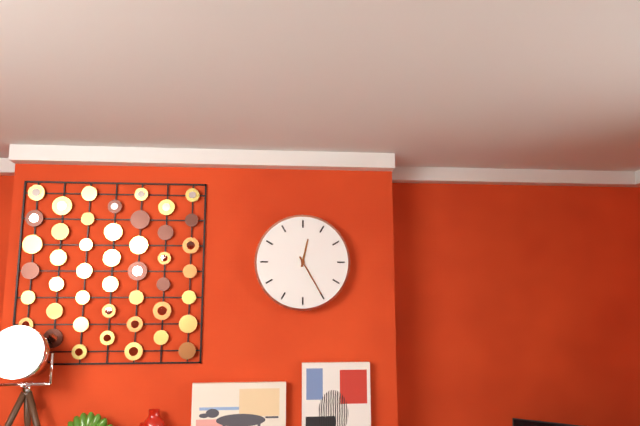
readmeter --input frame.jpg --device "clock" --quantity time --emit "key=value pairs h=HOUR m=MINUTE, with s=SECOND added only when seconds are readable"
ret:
h=12 m=25
